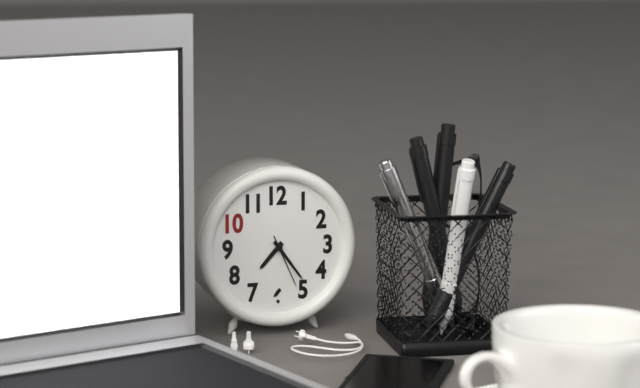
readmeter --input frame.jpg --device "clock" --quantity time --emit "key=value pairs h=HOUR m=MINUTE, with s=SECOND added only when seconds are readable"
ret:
h=7 m=24 s=26
